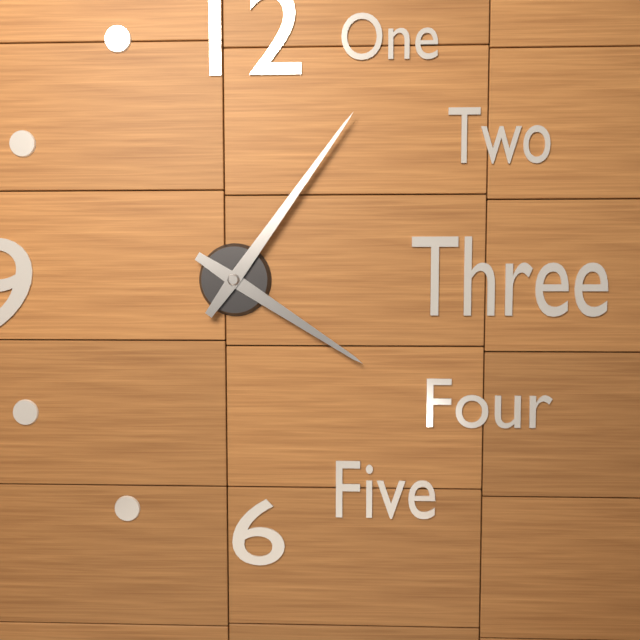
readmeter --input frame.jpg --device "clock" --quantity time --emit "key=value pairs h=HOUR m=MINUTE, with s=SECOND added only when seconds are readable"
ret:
h=4 m=6
